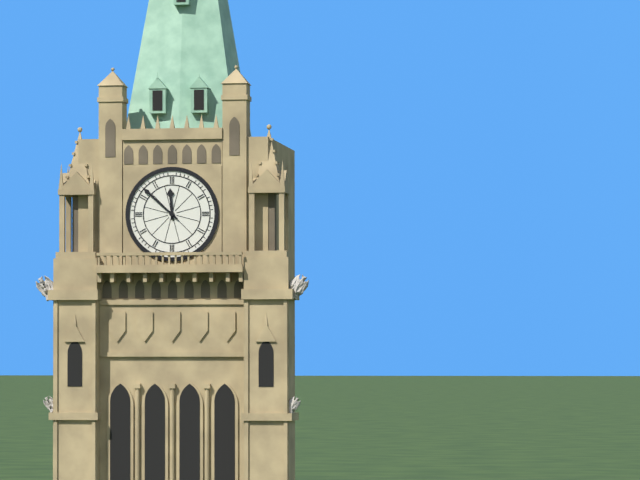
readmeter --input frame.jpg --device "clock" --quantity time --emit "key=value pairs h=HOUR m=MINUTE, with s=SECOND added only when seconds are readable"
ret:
h=11 m=52
